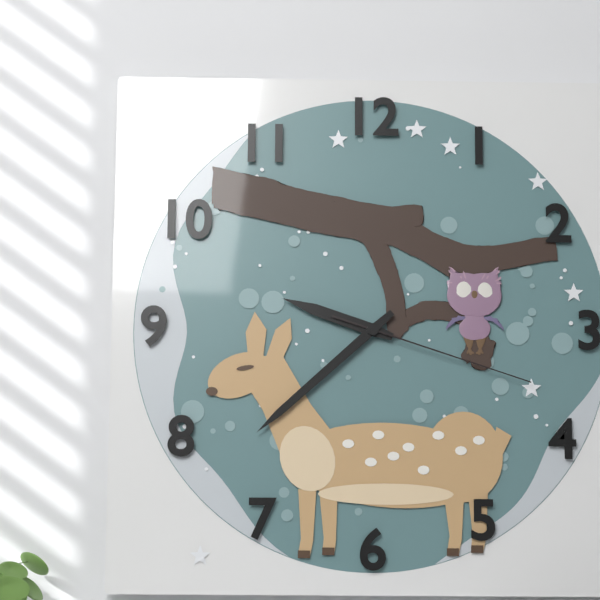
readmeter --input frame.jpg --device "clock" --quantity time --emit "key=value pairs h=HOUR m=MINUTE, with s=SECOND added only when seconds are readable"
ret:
h=9 m=38 s=18
